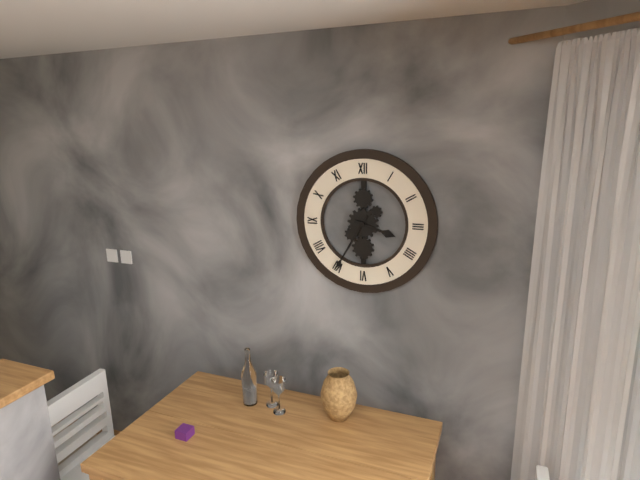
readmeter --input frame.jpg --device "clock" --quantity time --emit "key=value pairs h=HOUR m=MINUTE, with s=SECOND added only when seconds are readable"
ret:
h=3 m=35
